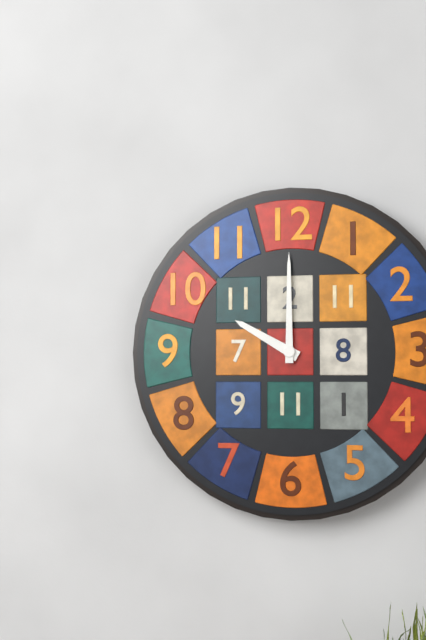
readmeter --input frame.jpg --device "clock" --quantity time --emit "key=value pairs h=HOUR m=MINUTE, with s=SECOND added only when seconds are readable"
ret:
h=10 m=0
